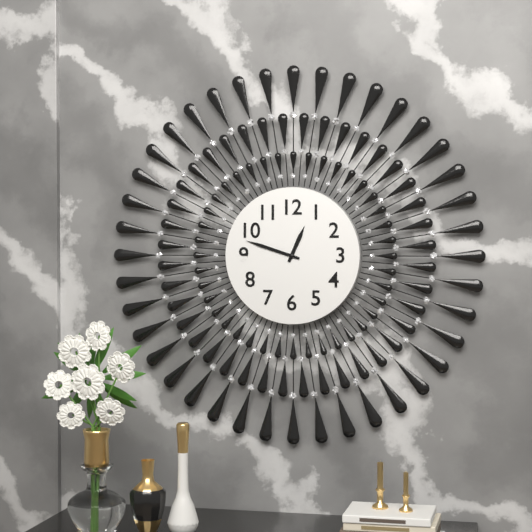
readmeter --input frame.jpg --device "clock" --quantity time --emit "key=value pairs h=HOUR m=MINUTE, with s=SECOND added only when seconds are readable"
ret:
h=12 m=48
